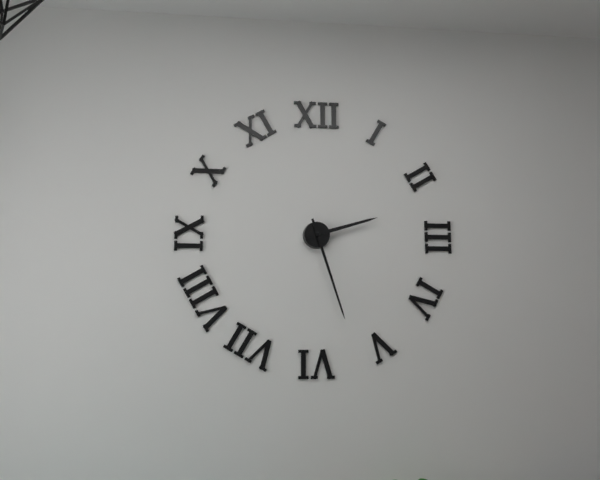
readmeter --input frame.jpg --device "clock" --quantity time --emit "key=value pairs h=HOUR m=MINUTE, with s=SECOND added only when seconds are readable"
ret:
h=2 m=27
